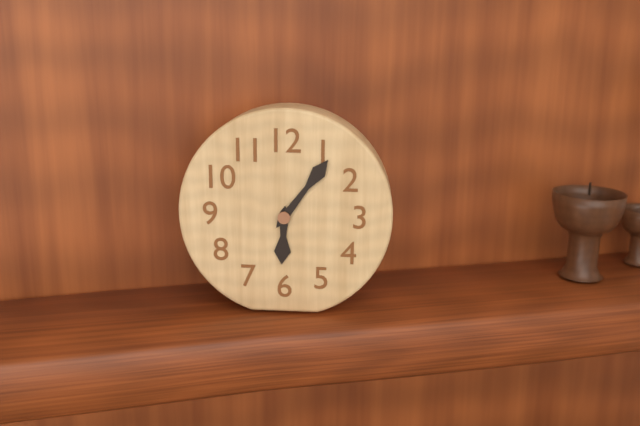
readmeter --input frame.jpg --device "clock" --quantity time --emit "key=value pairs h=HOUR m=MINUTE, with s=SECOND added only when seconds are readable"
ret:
h=6 m=6
